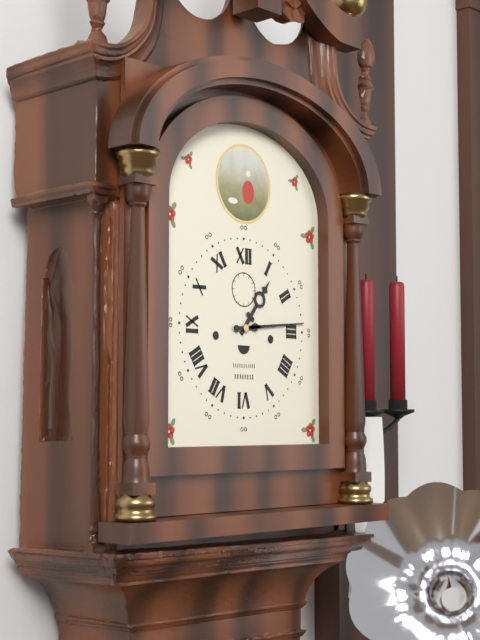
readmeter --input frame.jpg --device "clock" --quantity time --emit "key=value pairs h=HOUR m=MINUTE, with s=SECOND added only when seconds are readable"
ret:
h=1 m=14
